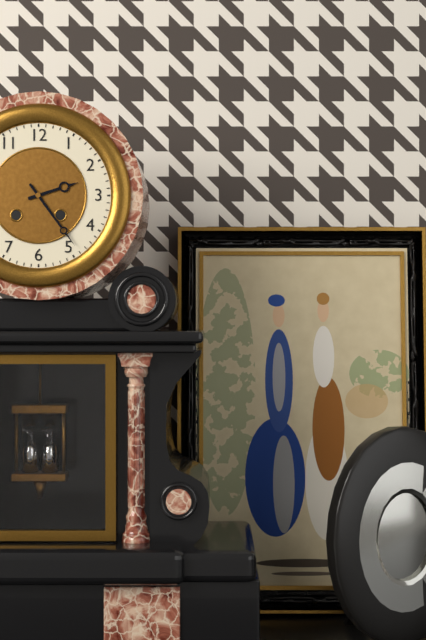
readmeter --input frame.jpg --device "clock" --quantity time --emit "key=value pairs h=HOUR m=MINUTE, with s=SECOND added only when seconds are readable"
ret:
h=2 m=24
